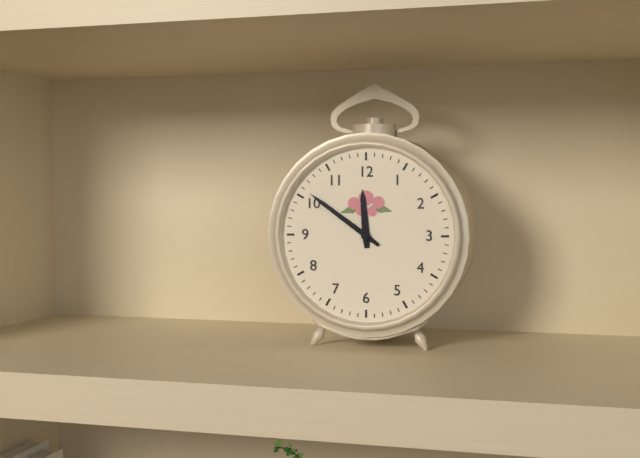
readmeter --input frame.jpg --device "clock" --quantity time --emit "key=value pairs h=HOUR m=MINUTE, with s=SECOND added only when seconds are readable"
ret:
h=11 m=51
